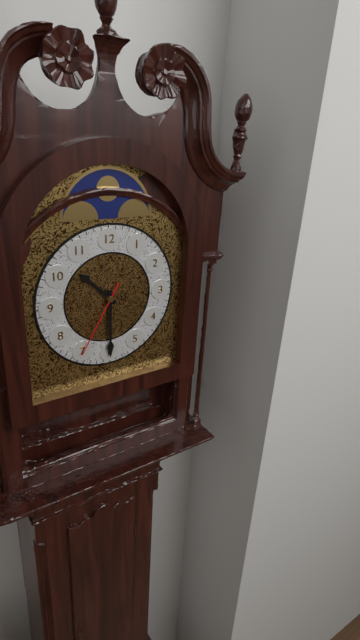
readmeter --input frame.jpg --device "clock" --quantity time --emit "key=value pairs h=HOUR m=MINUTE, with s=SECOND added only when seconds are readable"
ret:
h=10 m=30 s=35
